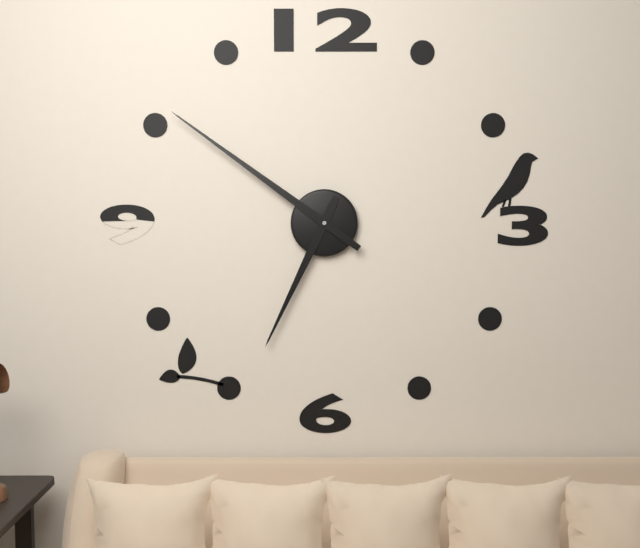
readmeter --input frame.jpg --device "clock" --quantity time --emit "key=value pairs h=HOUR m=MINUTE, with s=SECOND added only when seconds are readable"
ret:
h=6 m=51
